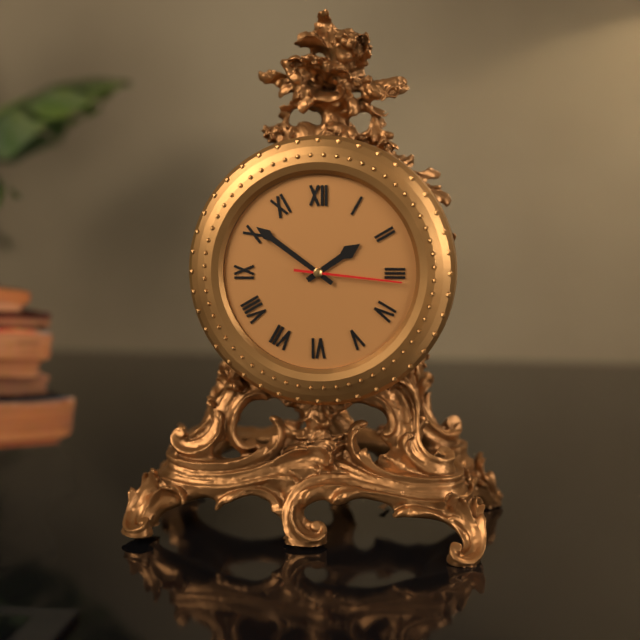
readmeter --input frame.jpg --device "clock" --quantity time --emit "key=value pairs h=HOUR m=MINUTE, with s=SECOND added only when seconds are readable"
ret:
h=1 m=51 s=16
